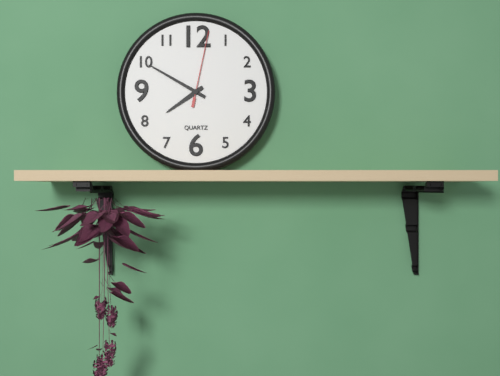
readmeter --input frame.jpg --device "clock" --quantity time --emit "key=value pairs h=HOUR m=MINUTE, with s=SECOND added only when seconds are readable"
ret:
h=7 m=50 s=2
